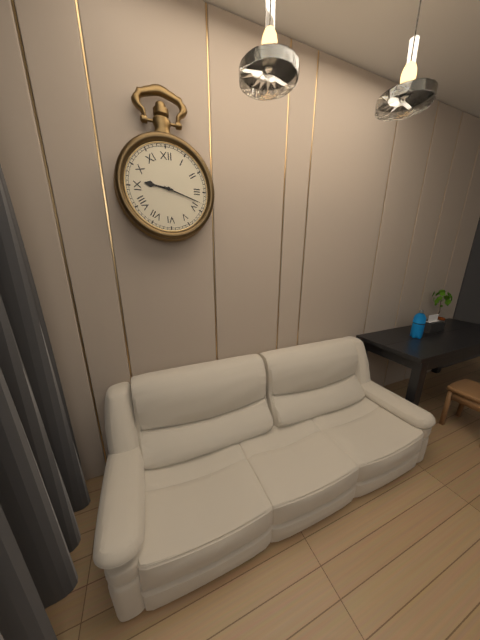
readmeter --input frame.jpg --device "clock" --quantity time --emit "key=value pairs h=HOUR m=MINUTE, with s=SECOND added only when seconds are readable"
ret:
h=9 m=18
